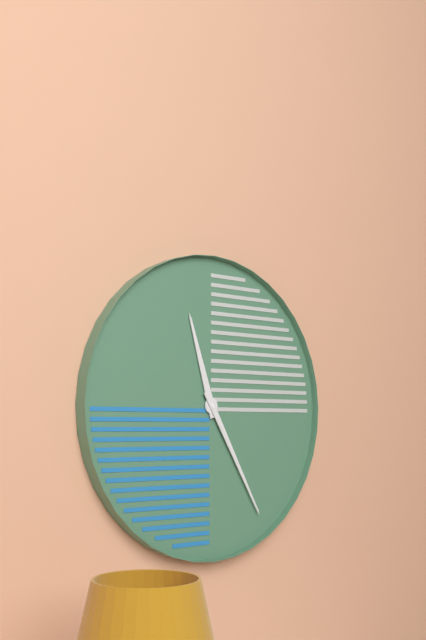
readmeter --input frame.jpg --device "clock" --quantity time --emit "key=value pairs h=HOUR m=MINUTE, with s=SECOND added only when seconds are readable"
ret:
h=11 m=25
